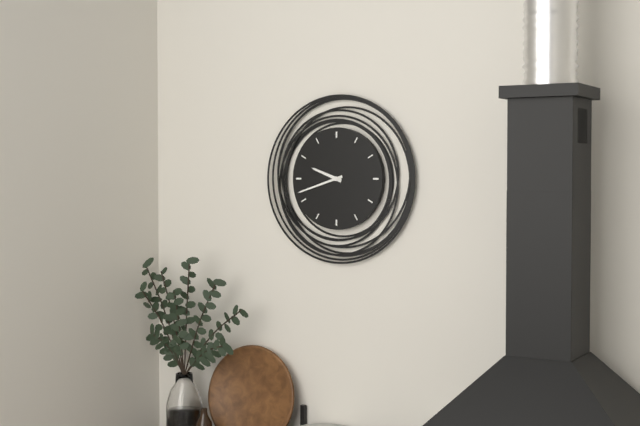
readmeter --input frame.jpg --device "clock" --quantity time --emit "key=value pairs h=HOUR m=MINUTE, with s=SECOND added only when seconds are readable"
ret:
h=9 m=42
